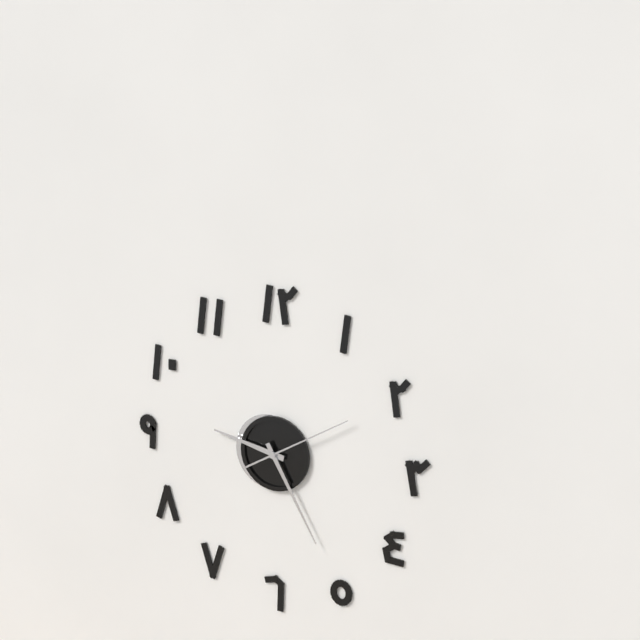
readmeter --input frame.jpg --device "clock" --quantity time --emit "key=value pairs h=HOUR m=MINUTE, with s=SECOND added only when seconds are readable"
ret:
h=9 m=25 s=10
